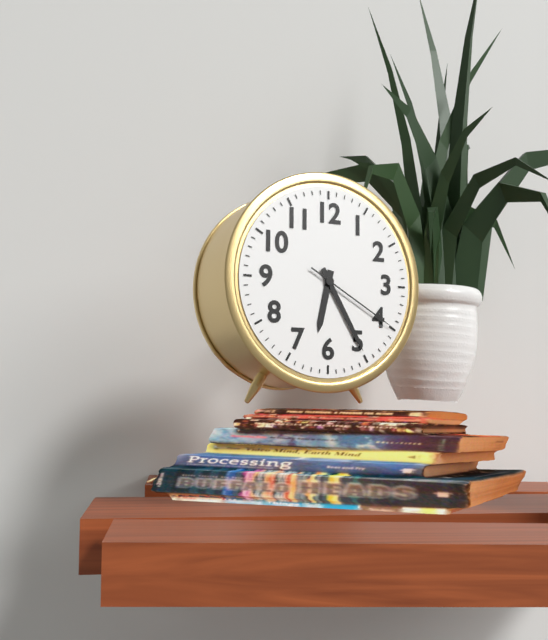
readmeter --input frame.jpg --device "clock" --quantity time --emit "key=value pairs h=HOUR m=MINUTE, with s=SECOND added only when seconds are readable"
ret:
h=6 m=25 s=20
